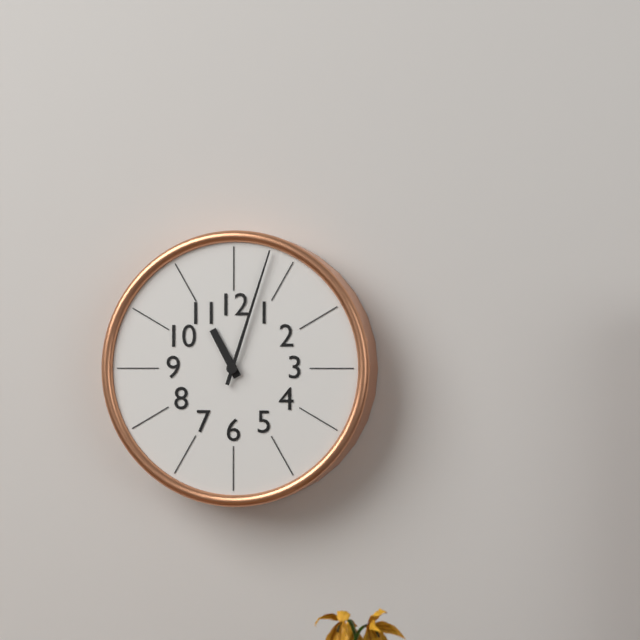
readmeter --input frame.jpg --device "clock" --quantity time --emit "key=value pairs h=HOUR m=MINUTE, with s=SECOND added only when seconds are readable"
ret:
h=11 m=3
